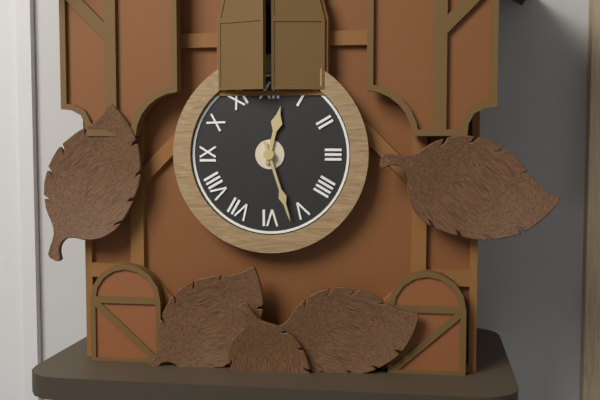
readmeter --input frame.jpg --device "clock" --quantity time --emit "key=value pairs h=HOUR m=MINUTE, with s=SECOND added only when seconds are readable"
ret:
h=12 m=27
